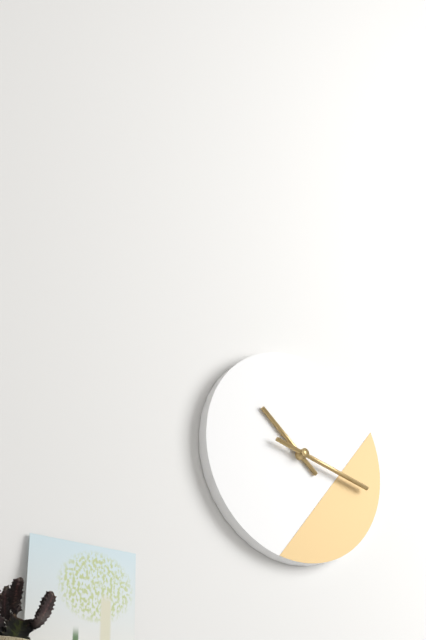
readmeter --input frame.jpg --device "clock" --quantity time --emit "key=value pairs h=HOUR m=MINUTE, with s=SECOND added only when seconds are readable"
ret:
h=10 m=17
